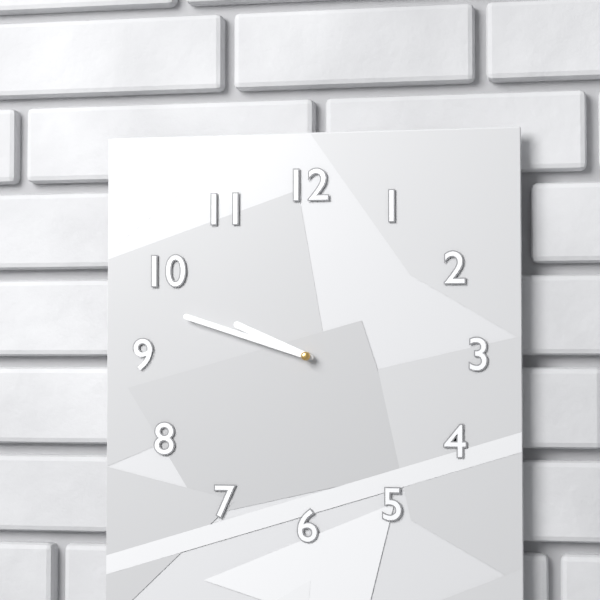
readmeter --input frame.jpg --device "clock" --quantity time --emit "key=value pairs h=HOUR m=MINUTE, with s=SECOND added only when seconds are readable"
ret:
h=9 m=48
